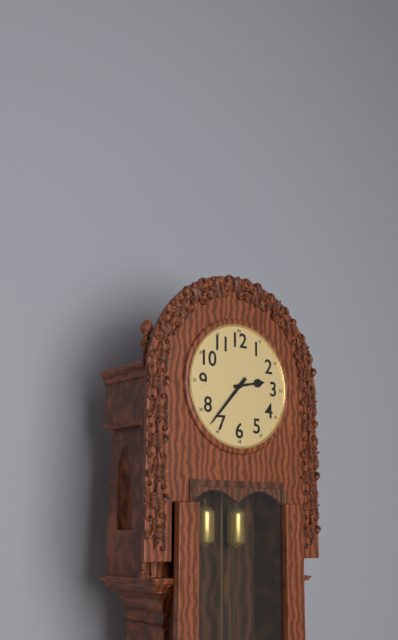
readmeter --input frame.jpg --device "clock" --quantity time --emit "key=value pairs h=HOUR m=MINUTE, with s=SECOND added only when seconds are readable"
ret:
h=2 m=37
